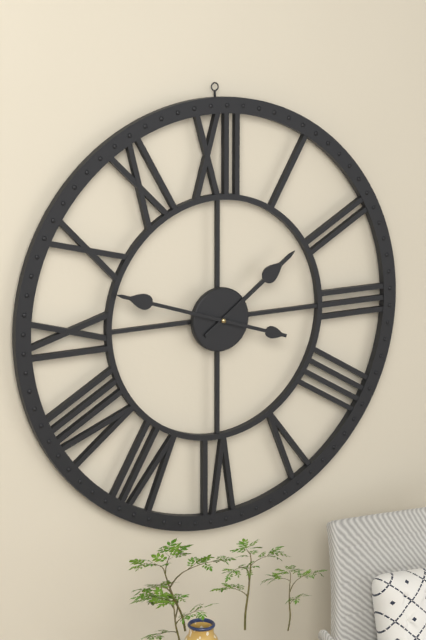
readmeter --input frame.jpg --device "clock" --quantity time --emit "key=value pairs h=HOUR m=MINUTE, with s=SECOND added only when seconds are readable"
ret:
h=1 m=48
